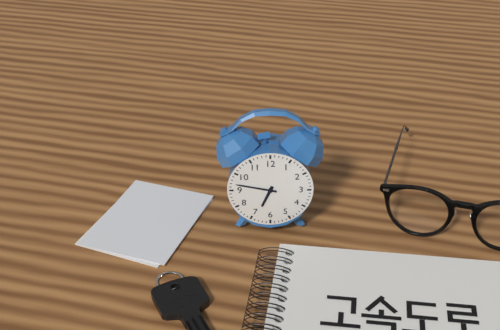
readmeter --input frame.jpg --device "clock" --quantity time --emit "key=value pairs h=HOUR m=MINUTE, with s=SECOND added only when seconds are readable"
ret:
h=6 m=47
